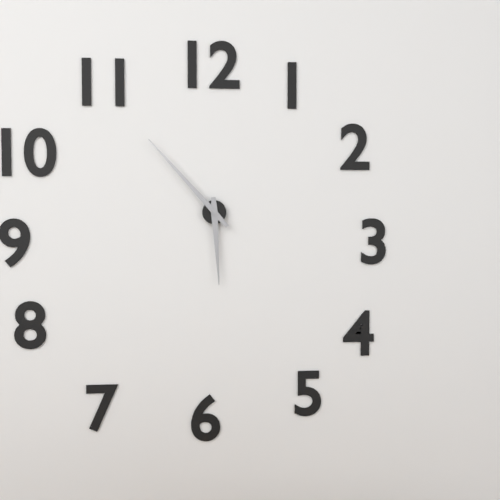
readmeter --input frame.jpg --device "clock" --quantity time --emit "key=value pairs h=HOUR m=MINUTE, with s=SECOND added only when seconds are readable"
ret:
h=5 m=53
